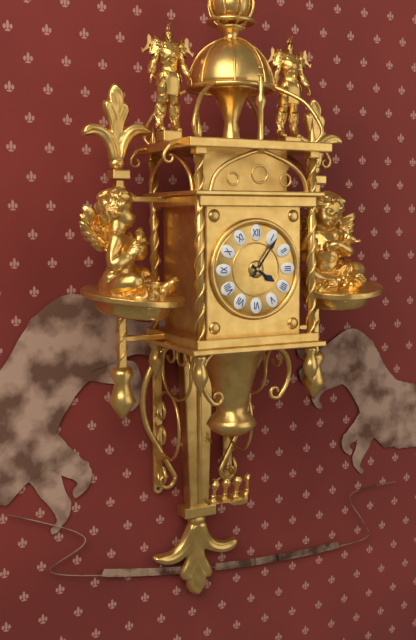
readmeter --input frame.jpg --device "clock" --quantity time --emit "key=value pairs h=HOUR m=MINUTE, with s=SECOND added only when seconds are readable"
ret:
h=4 m=6
